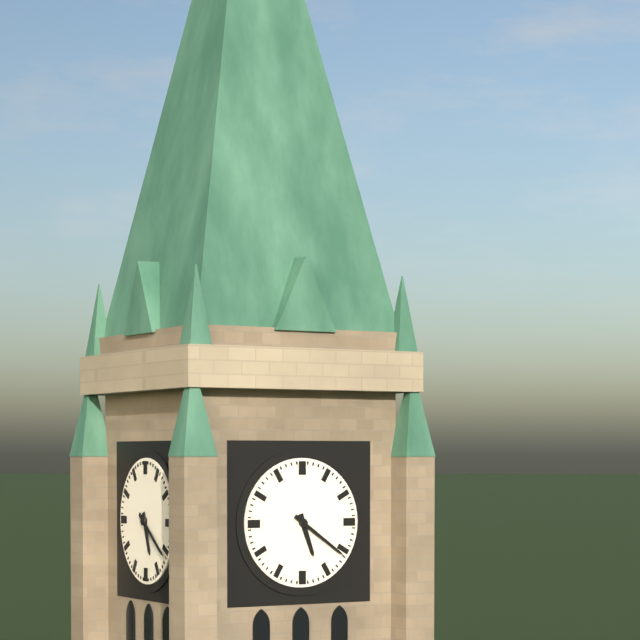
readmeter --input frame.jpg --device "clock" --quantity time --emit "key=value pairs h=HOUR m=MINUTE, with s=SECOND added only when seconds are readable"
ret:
h=5 m=21
